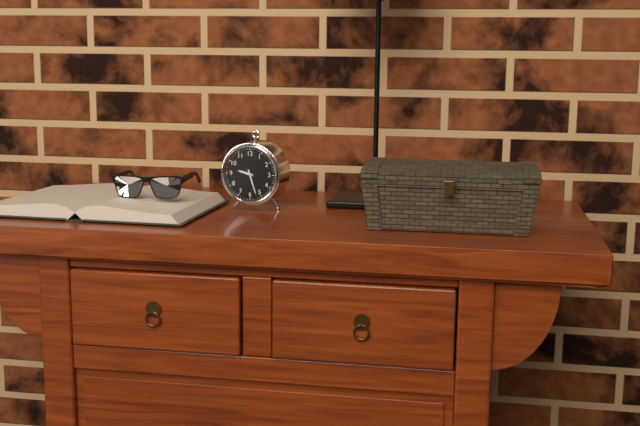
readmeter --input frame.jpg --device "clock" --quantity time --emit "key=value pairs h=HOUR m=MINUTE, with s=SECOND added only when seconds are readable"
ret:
h=9 m=27
